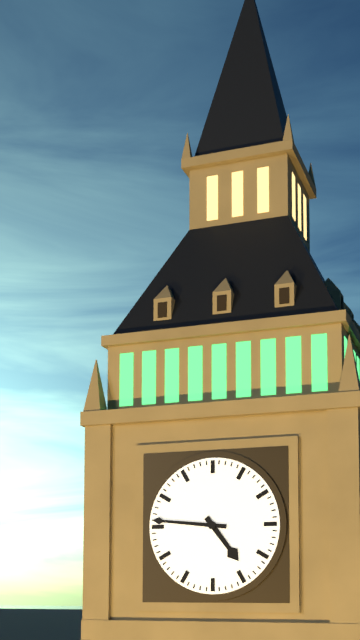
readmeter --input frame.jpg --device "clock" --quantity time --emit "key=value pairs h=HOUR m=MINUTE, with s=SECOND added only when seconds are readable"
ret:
h=4 m=46
